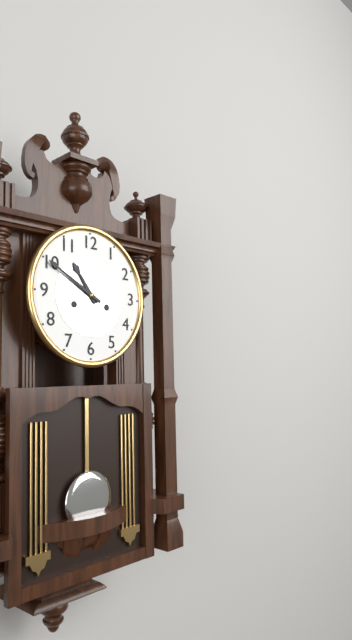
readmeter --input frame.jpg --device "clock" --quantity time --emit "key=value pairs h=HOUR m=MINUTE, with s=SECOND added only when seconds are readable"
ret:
h=10 m=50
